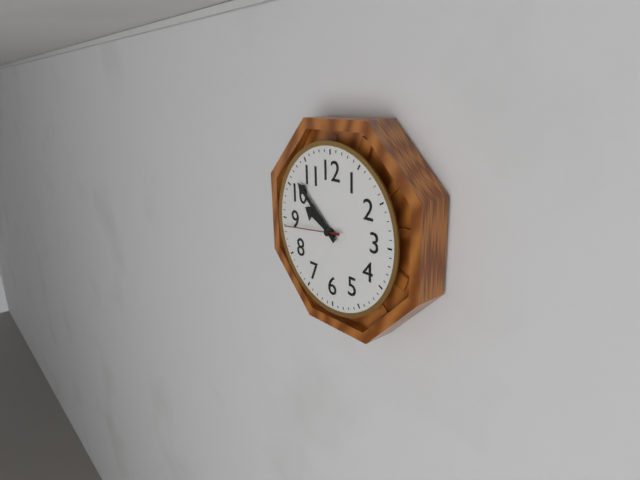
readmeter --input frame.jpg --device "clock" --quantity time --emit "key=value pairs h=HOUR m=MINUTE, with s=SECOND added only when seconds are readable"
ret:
h=9 m=52 s=44
